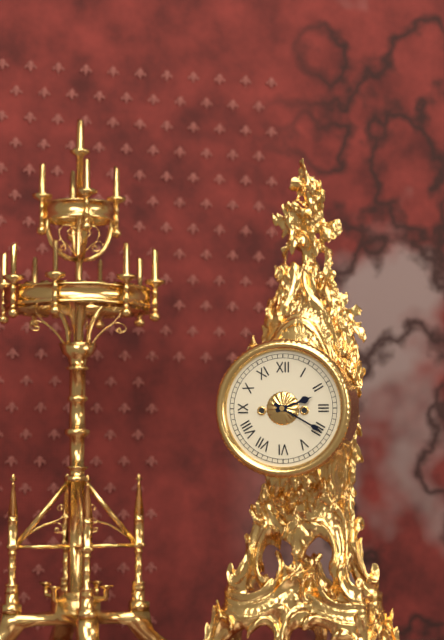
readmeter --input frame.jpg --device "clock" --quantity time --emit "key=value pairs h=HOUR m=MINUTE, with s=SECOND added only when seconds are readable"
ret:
h=2 m=20
